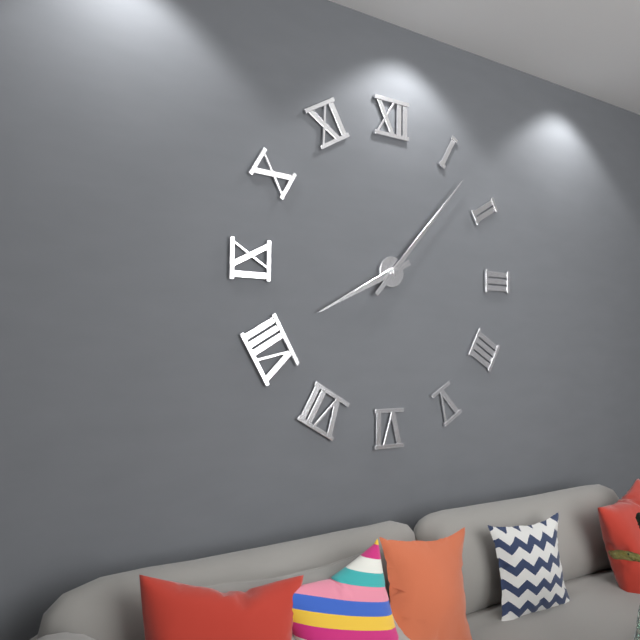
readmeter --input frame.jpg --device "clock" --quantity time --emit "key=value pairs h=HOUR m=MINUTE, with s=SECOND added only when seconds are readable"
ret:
h=8 m=7
